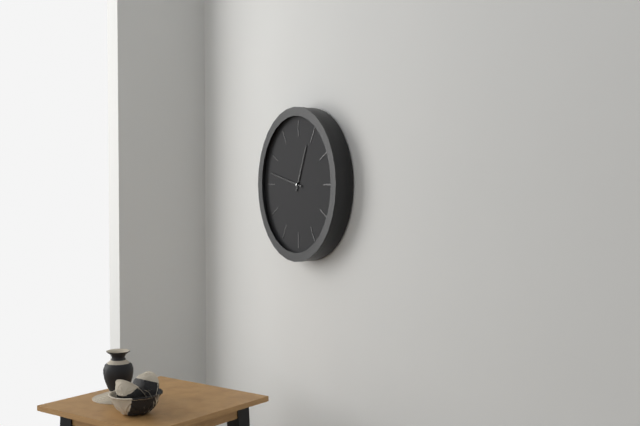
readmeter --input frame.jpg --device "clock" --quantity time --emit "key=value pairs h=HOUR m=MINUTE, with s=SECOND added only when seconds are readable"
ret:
h=12 m=47
